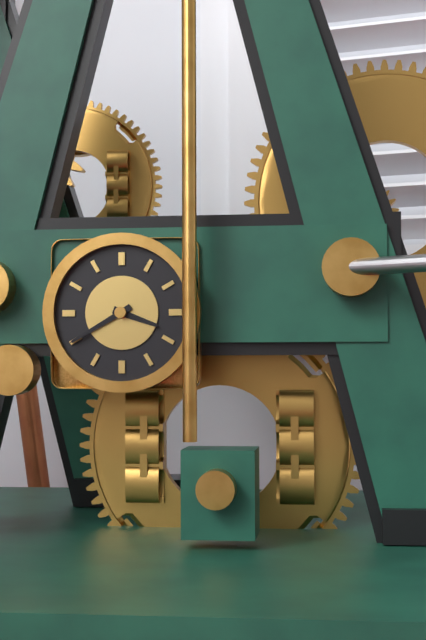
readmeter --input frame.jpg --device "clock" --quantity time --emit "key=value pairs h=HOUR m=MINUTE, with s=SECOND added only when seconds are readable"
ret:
h=3 m=40
